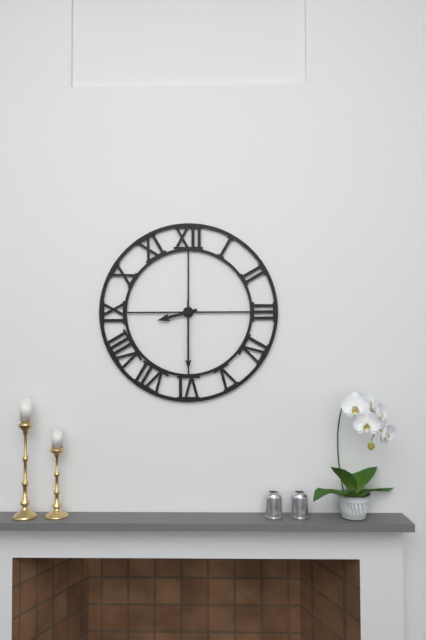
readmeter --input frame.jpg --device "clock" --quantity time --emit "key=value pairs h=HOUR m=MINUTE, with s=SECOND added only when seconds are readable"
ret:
h=8 m=30
